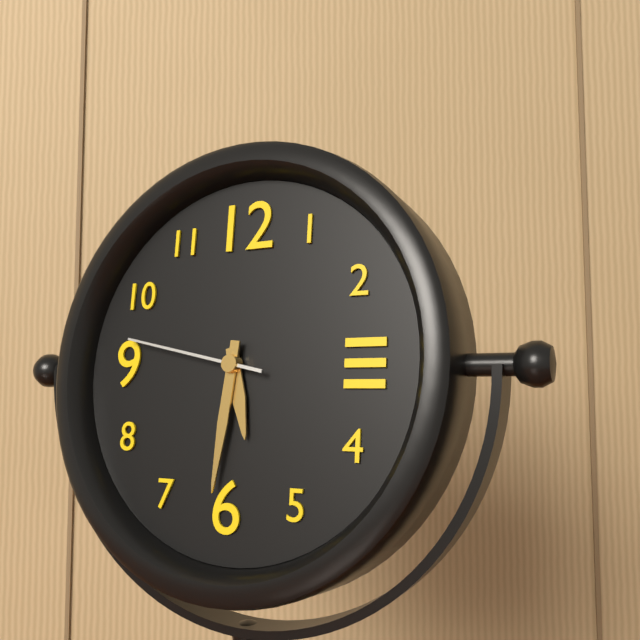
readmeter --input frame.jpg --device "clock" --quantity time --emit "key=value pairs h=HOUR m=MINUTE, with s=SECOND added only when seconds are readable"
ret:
h=5 m=31 s=47
